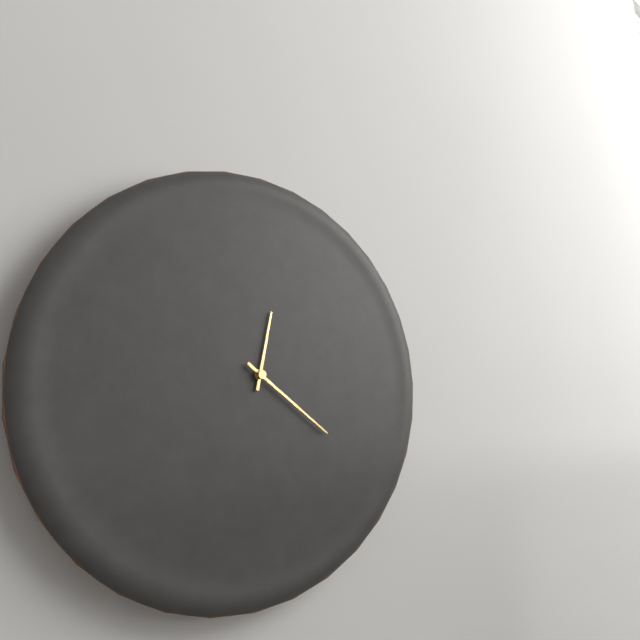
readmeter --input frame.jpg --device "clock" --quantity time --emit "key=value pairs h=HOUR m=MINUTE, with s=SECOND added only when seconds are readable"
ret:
h=12 m=21
